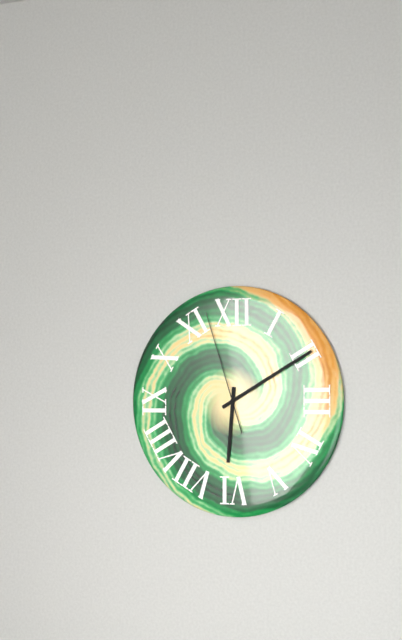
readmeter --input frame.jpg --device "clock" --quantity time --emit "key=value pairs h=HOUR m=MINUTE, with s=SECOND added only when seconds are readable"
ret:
h=6 m=10 s=57
